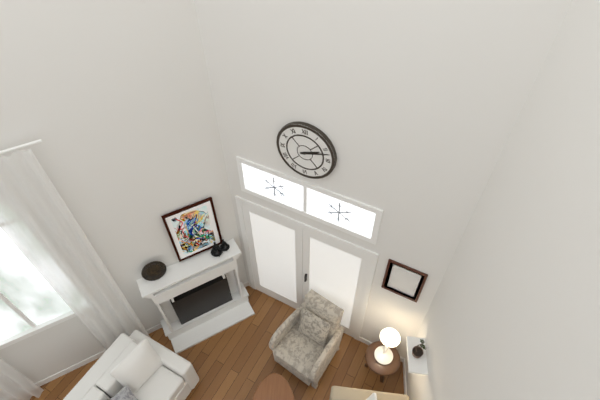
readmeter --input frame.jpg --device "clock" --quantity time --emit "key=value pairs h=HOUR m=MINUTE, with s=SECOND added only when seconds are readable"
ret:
h=2 m=12
